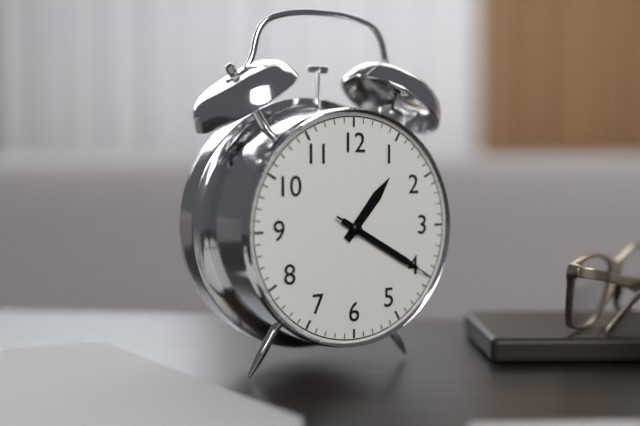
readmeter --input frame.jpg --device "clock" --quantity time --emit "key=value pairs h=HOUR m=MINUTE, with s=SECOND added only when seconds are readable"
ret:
h=1 m=20 s=20
